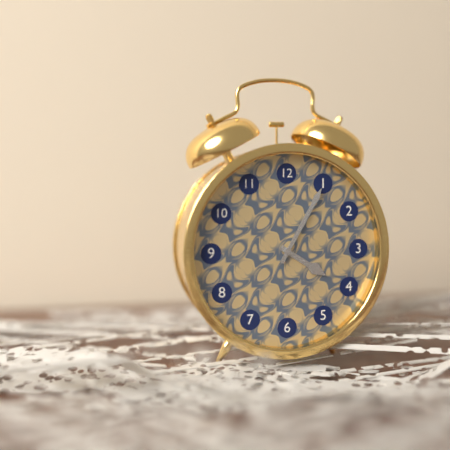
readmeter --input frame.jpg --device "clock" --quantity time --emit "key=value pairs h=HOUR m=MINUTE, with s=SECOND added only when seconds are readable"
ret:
h=4 m=5
